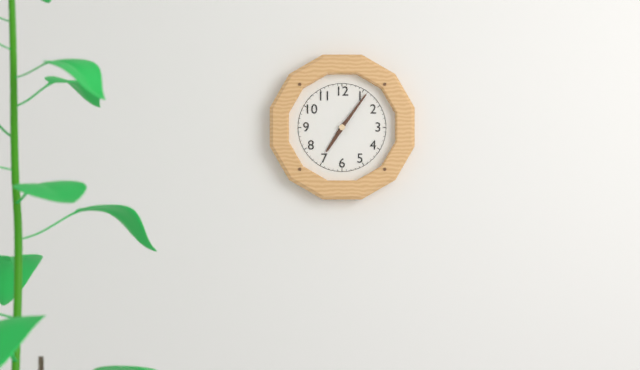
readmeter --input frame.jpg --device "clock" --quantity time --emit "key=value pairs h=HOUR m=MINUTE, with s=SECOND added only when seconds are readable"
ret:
h=7 m=6
